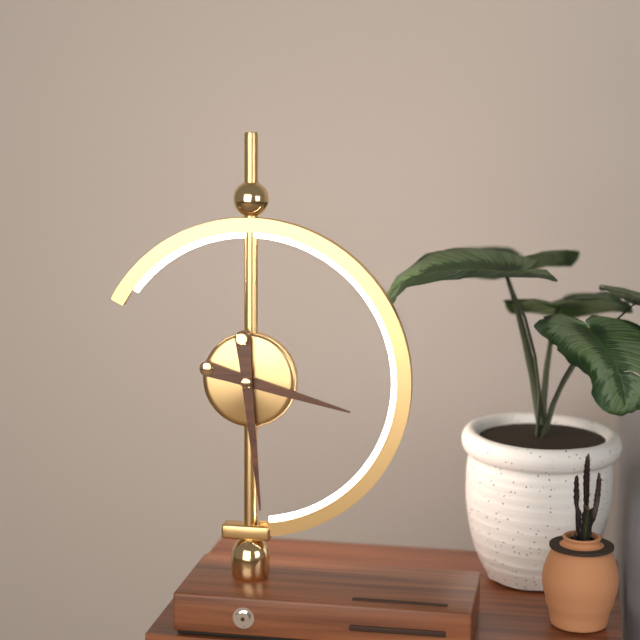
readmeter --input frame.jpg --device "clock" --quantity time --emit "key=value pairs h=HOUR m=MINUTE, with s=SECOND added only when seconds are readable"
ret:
h=3 m=29
